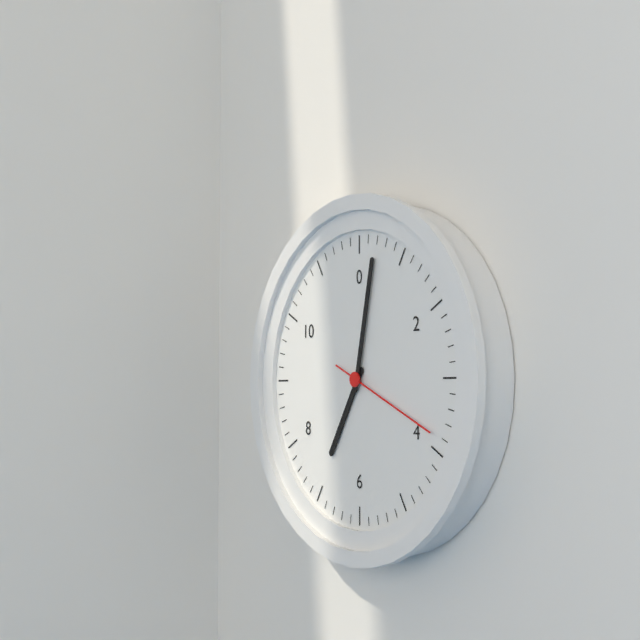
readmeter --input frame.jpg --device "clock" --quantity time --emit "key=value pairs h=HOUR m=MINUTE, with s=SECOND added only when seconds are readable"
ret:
h=7 m=2 s=19
